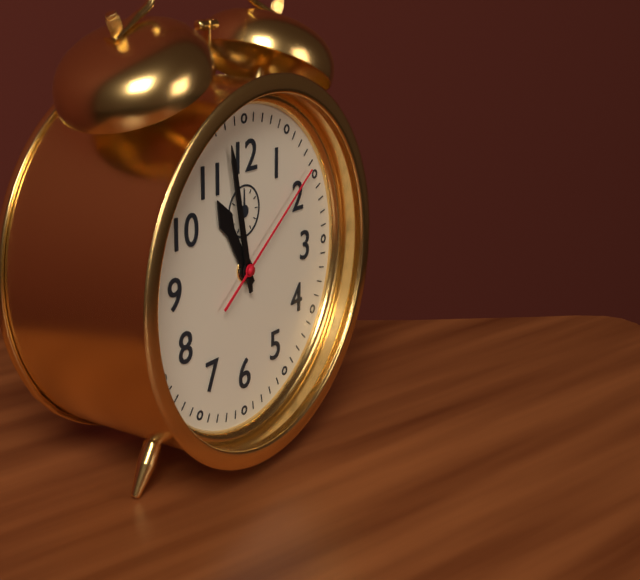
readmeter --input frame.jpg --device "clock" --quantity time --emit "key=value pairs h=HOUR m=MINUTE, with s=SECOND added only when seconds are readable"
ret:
h=10 m=58 s=9
